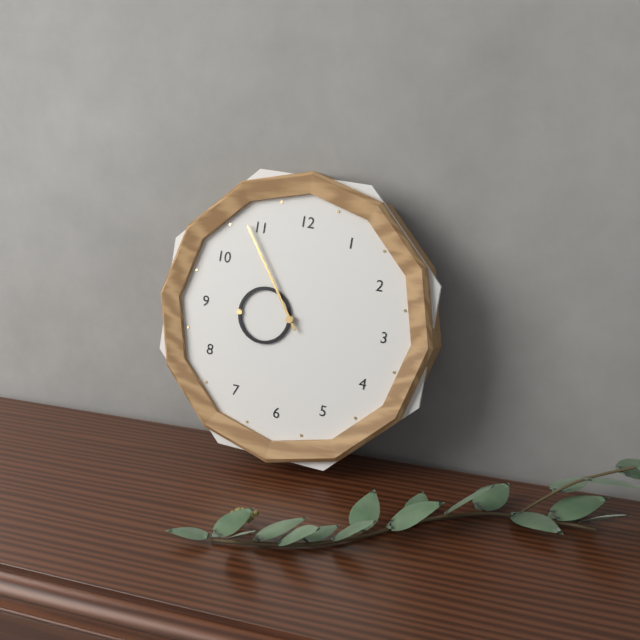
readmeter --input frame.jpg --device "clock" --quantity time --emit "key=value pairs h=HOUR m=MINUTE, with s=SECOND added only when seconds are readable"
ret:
h=8 m=54
